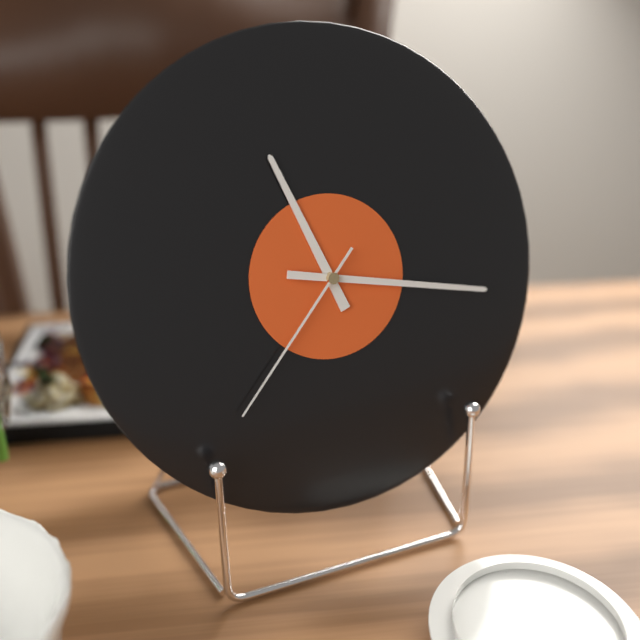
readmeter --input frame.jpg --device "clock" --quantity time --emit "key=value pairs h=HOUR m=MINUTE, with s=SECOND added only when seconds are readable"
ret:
h=11 m=17 s=37
